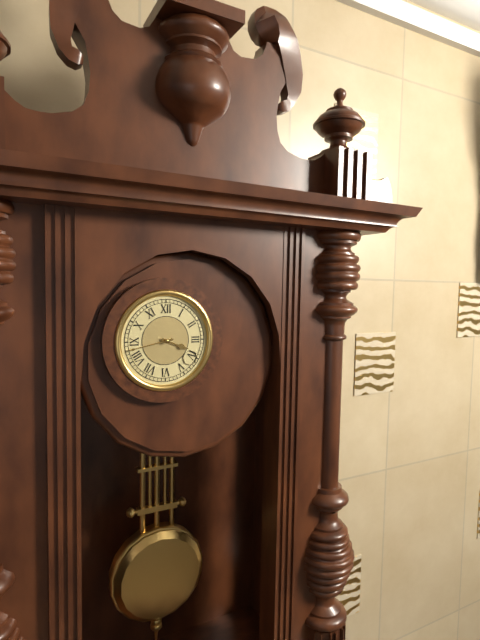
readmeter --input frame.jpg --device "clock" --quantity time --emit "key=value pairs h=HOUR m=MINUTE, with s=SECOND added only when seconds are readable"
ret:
h=3 m=43
